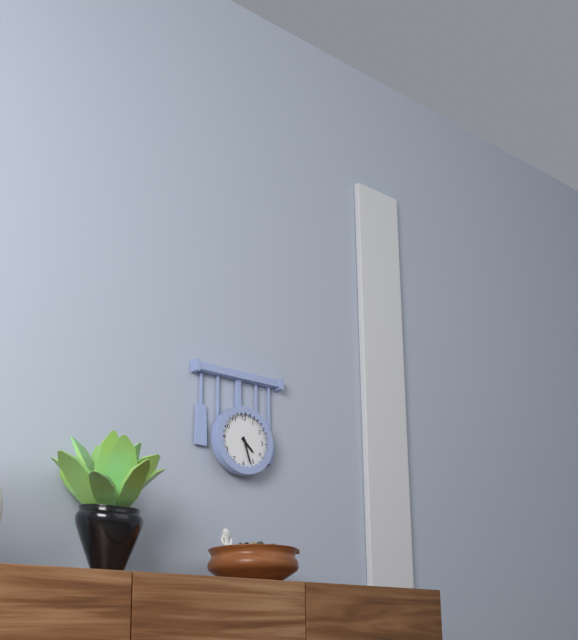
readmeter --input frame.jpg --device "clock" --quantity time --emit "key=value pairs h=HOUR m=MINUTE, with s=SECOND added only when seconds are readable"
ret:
h=4 m=27
